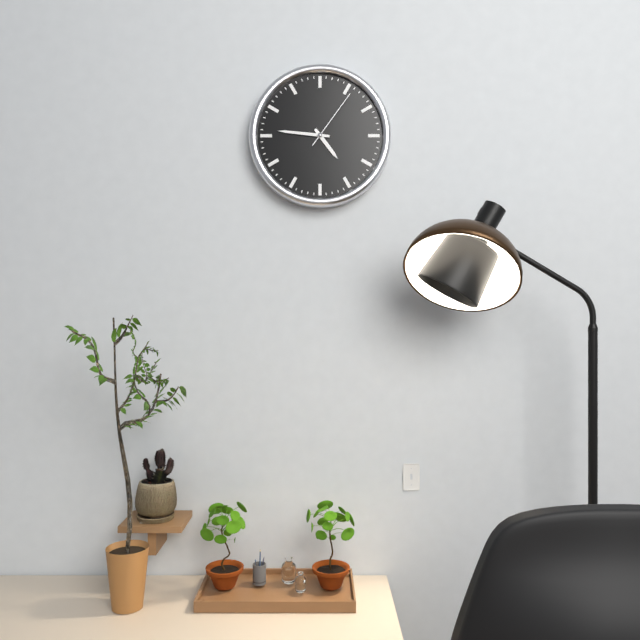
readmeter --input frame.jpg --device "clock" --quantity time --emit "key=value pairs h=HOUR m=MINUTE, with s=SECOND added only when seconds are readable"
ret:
h=4 m=46 s=6
